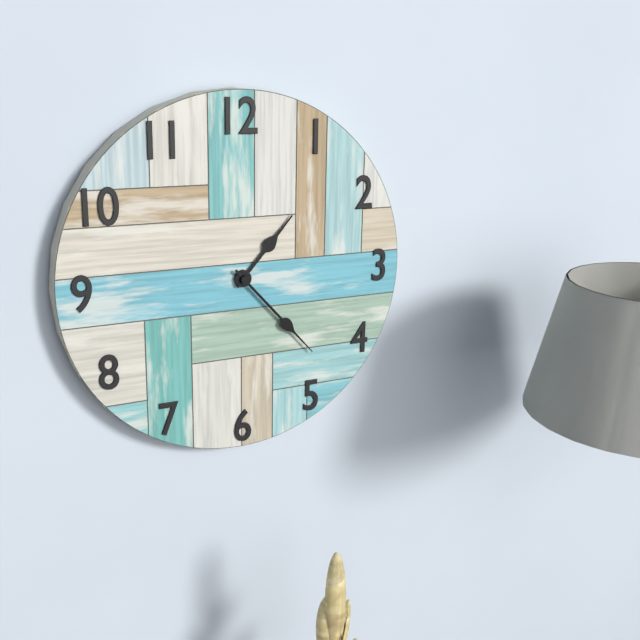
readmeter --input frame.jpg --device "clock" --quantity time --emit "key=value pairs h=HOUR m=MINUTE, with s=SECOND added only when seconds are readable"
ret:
h=1 m=23
